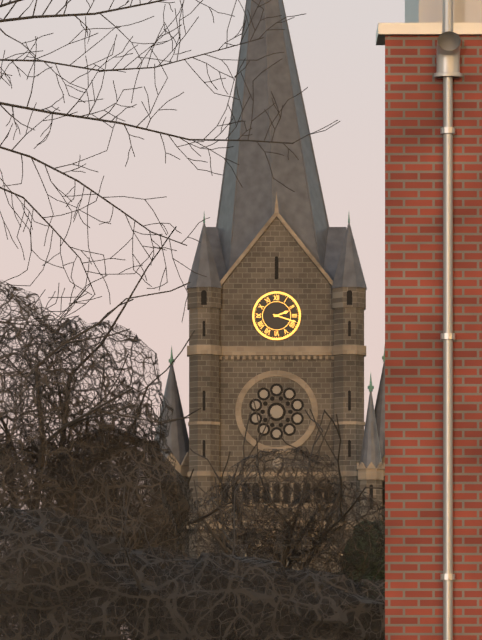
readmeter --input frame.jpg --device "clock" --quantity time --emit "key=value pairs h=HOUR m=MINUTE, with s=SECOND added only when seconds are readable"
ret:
h=2 m=18
